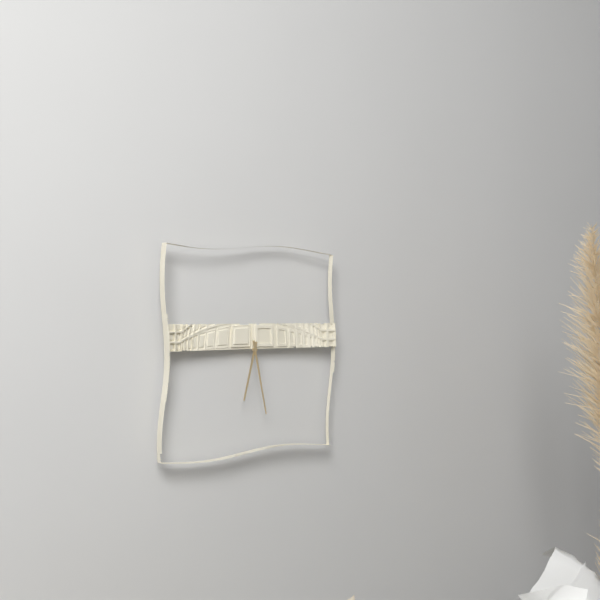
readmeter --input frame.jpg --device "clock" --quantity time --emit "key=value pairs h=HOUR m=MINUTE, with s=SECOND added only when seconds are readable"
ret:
h=6 m=28
